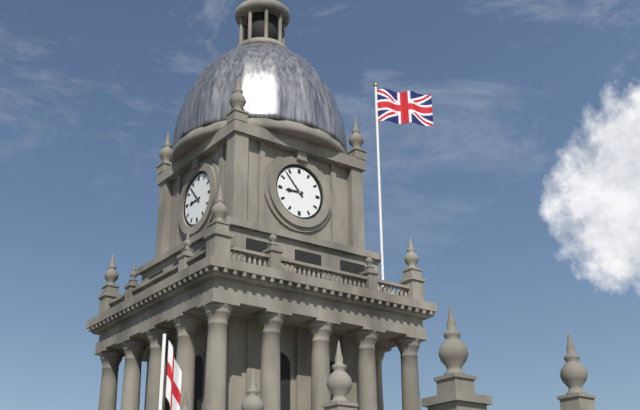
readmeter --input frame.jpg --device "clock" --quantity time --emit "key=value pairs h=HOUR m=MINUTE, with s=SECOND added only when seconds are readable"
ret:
h=8 m=53
